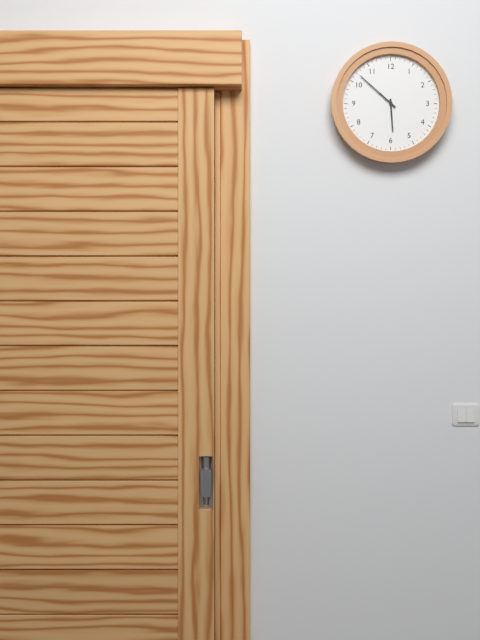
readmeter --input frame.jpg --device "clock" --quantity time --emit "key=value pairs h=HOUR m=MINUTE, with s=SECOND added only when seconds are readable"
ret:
h=5 m=52
